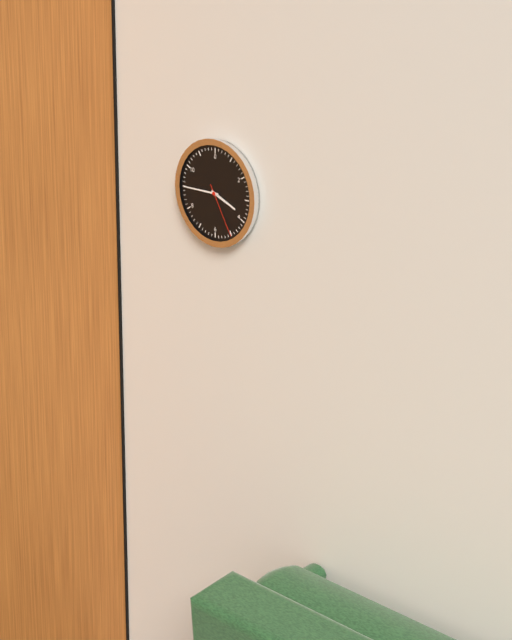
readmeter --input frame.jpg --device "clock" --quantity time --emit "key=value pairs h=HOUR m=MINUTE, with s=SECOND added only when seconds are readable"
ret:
h=3 m=45 s=25
